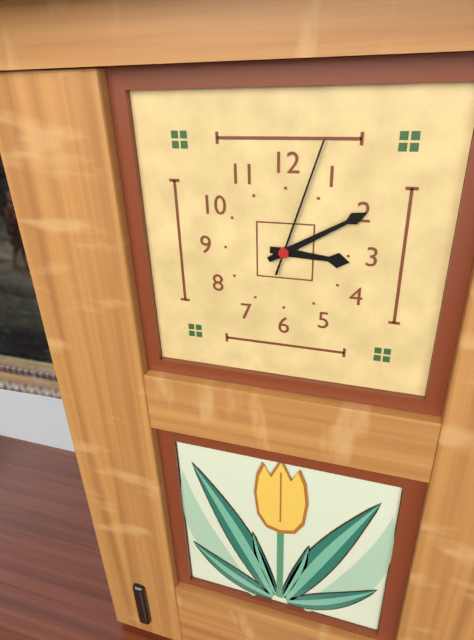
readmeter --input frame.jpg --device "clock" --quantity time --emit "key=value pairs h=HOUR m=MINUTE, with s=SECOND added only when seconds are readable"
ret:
h=3 m=10 s=3
